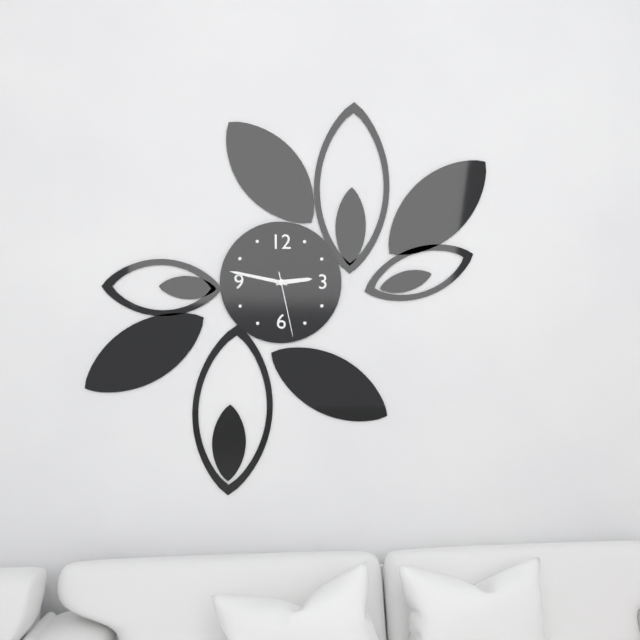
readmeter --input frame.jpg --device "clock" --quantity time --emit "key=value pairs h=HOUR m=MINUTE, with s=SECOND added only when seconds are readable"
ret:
h=2 m=47 s=28
